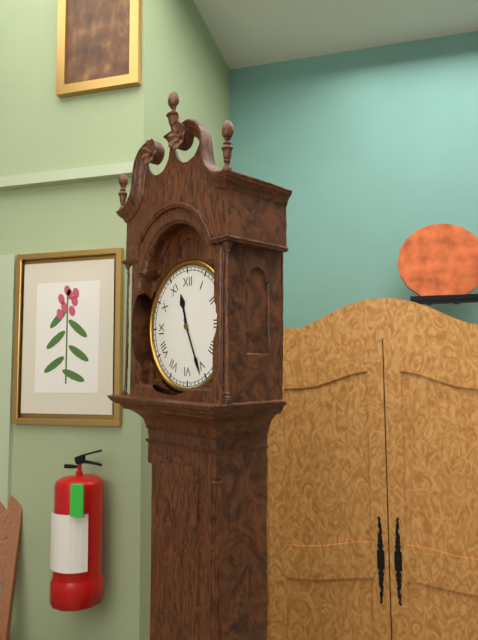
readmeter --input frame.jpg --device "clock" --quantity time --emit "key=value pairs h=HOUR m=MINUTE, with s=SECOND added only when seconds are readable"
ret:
h=11 m=26
